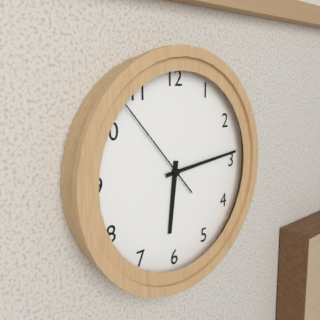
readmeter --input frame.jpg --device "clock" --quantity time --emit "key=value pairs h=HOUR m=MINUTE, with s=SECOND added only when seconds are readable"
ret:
h=6 m=14 s=53
